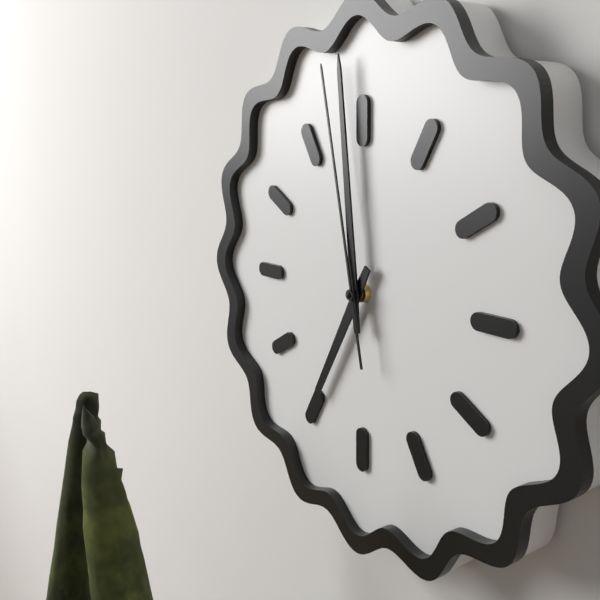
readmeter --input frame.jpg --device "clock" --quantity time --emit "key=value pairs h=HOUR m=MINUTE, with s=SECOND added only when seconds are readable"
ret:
h=6 m=59 s=58
